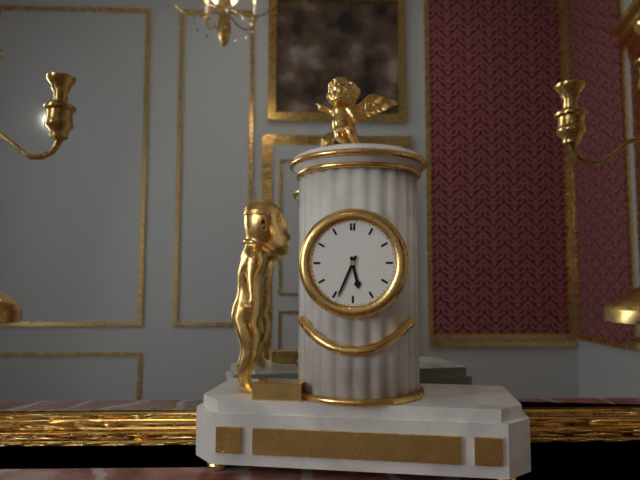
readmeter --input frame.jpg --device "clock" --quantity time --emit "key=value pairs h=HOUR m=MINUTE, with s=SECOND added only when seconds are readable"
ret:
h=5 m=34
